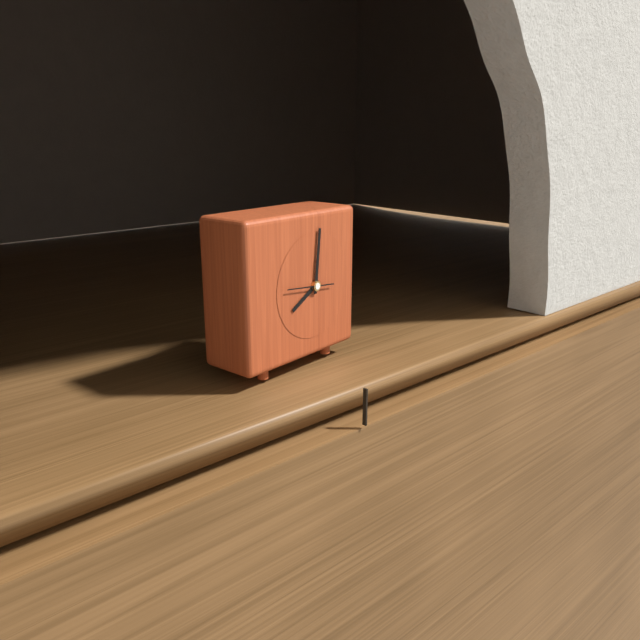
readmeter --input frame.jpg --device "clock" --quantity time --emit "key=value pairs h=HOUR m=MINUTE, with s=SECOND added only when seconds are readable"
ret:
h=8 m=1
